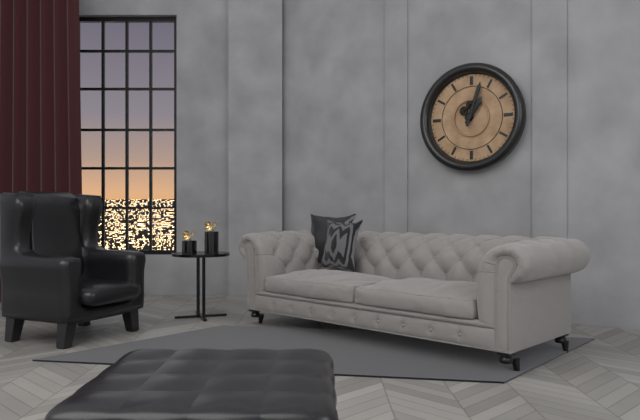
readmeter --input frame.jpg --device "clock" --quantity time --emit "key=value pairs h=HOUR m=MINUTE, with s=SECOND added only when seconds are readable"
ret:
h=1 m=3
